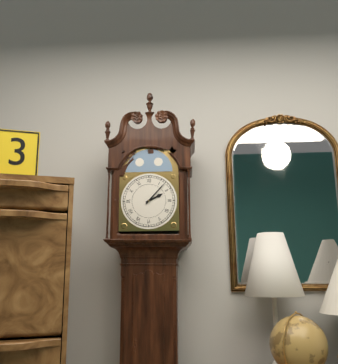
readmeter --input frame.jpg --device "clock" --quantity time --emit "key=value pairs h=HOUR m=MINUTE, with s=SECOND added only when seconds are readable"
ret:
h=2 m=7
